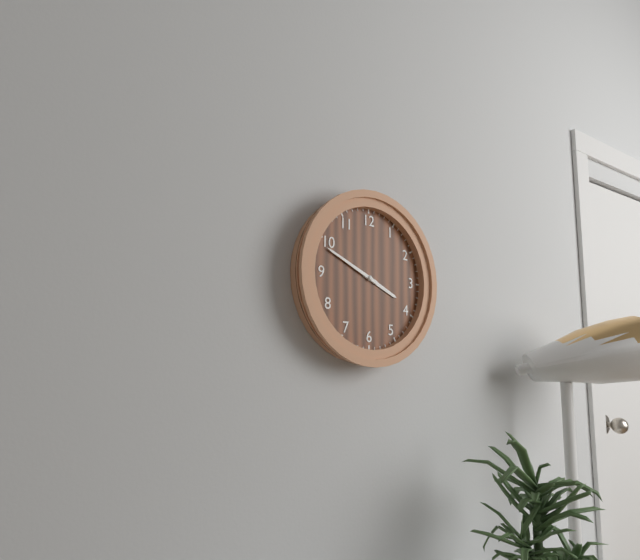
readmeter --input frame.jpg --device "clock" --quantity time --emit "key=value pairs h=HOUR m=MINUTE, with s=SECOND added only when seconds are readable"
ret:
h=3 m=49
